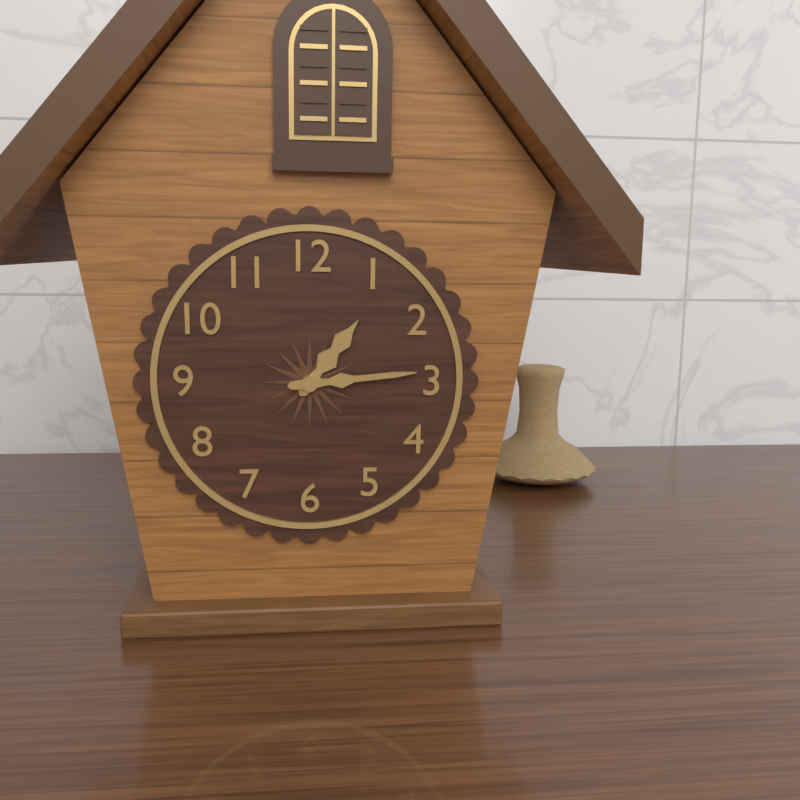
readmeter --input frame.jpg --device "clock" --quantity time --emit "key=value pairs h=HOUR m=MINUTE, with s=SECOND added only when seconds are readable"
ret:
h=1 m=14
